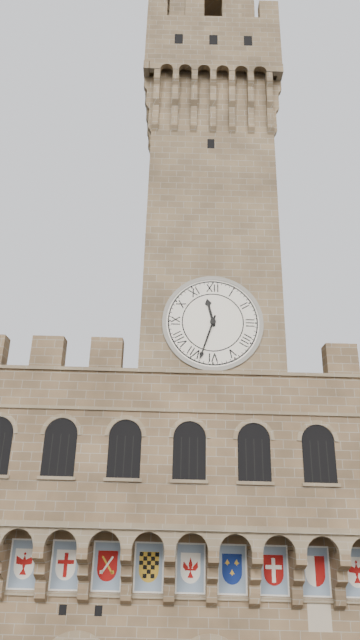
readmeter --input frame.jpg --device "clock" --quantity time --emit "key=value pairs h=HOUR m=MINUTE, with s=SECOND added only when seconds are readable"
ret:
h=11 m=33
